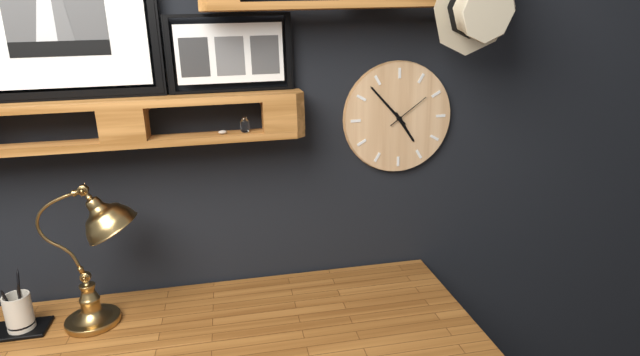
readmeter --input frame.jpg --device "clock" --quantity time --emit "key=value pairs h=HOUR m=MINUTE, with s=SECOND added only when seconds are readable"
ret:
h=4 m=53
